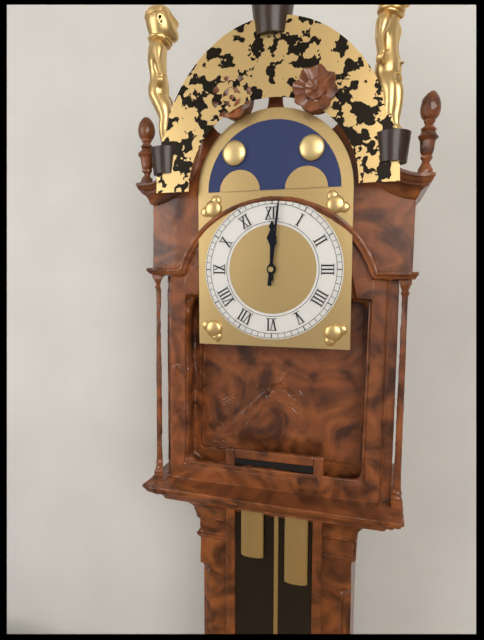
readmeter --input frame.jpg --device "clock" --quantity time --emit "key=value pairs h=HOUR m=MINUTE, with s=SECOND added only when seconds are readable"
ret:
h=12 m=1
